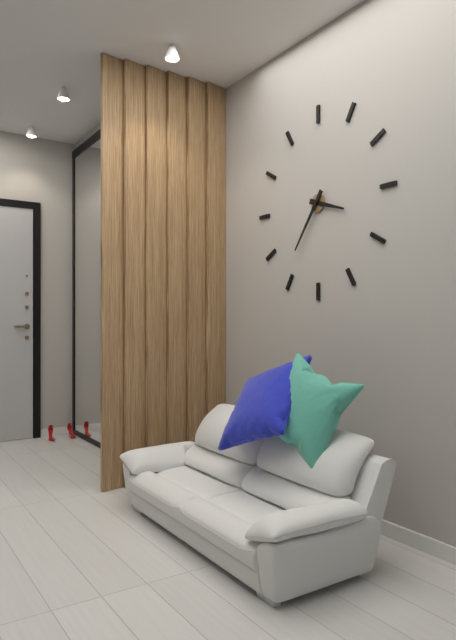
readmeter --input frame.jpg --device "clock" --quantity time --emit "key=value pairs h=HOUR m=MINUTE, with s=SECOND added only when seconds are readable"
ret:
h=3 m=36
